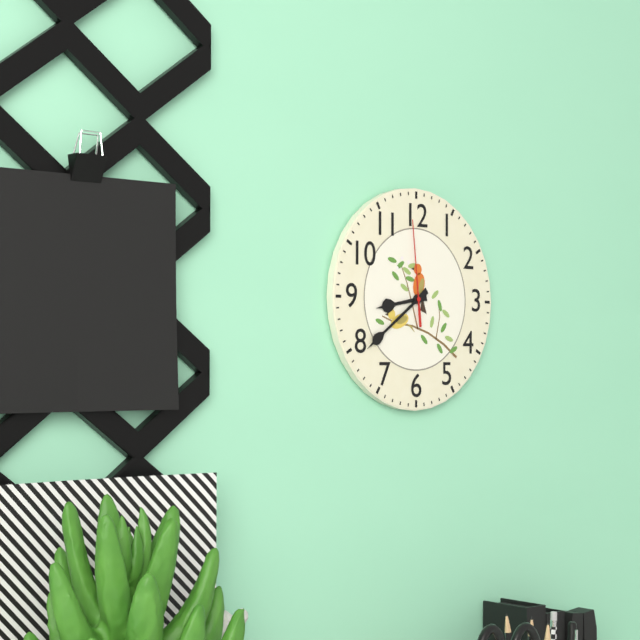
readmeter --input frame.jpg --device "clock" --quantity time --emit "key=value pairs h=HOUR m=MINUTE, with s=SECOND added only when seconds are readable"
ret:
h=8 m=39 s=59
